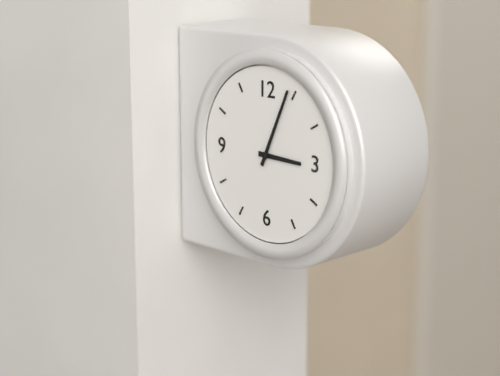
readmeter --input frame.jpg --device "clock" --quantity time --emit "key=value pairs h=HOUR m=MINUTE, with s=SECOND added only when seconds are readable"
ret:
h=3 m=4
